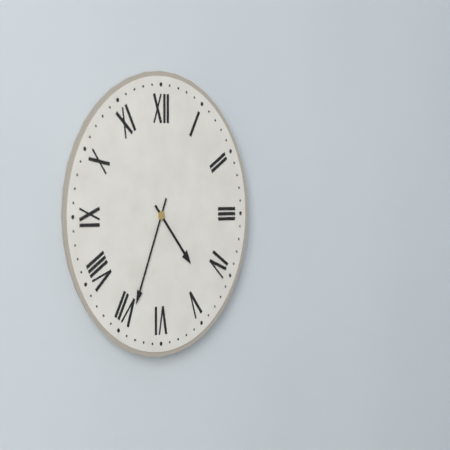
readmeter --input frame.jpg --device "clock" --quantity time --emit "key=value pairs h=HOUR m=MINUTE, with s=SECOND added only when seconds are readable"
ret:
h=4 m=34
